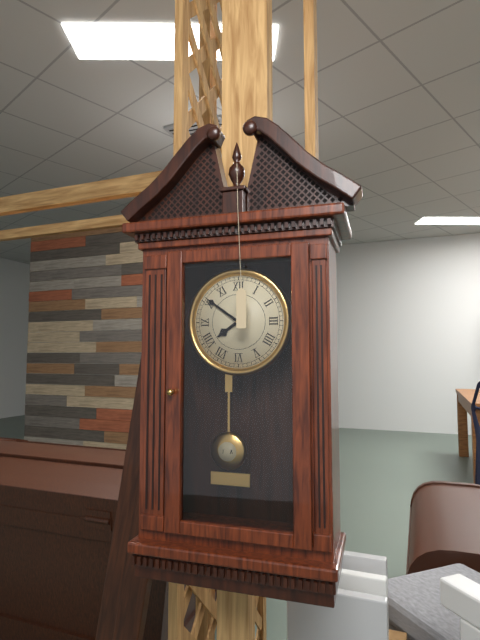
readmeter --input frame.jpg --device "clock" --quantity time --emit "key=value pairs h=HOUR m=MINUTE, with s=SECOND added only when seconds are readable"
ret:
h=7 m=51
